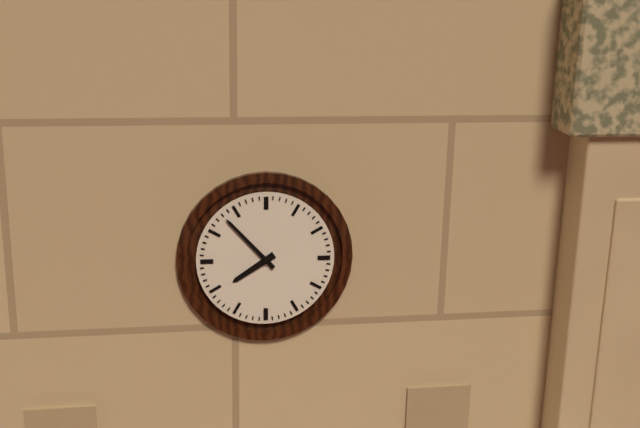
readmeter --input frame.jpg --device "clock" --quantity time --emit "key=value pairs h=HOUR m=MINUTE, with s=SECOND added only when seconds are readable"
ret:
h=7 m=53
